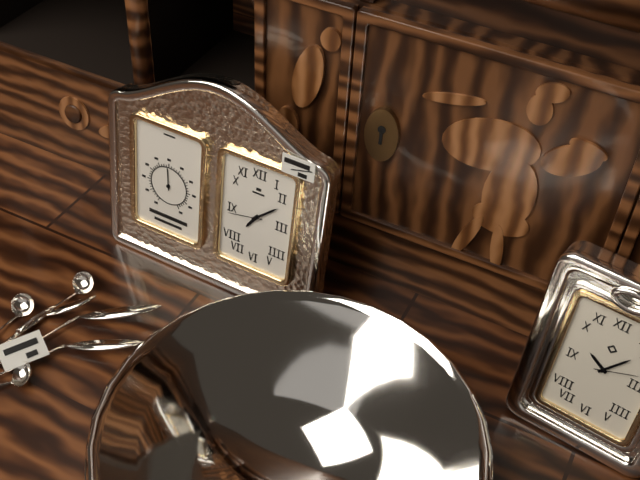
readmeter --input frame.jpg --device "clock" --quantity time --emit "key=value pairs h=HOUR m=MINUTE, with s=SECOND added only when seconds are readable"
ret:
h=7 m=8
